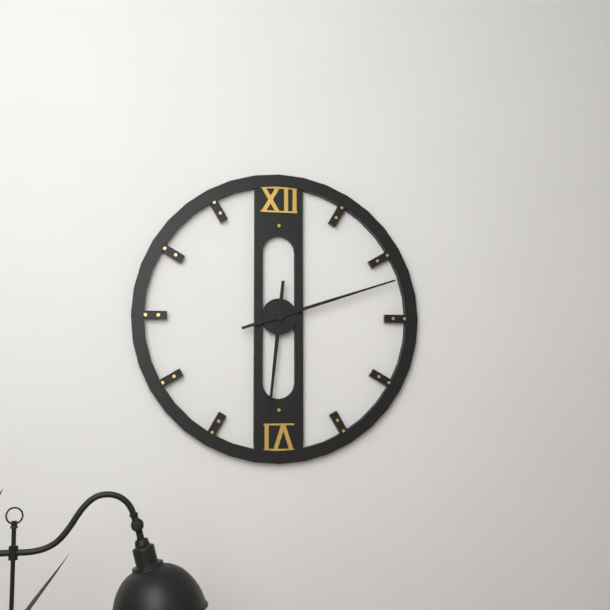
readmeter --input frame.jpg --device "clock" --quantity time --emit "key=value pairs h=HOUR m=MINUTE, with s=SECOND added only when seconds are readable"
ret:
h=6 m=12
